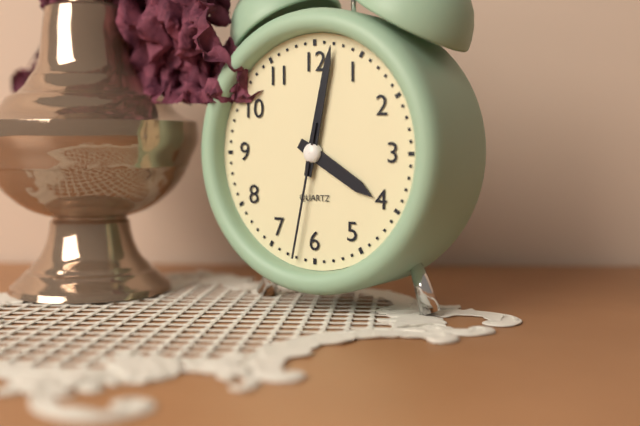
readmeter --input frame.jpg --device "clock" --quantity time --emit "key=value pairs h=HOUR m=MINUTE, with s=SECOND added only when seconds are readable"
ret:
h=4 m=2 s=32
